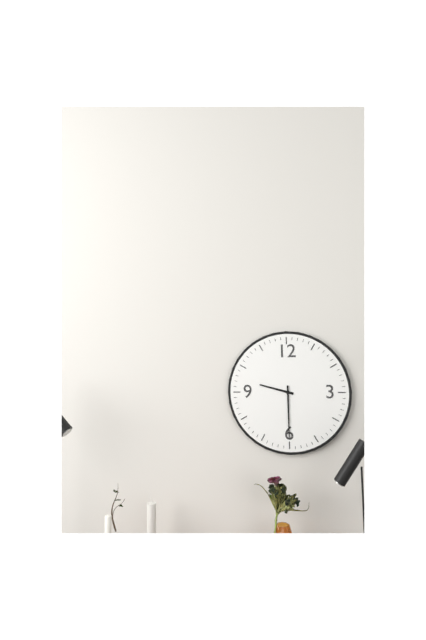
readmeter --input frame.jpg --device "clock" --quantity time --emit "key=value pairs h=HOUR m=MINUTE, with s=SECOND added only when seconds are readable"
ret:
h=9 m=30
